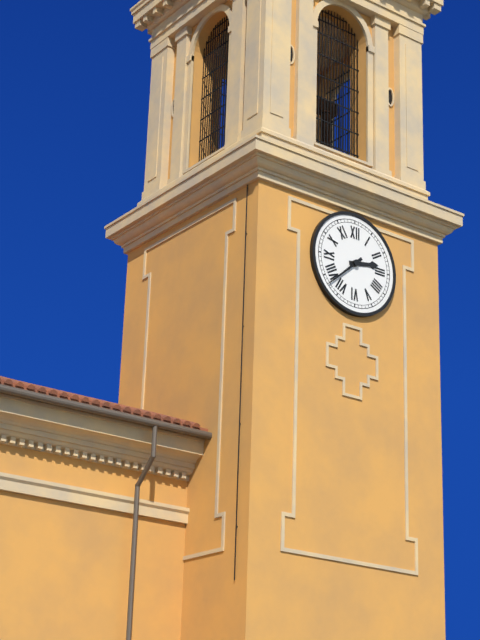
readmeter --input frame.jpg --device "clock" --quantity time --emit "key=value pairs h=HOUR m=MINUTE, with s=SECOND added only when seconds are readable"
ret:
h=2 m=38
